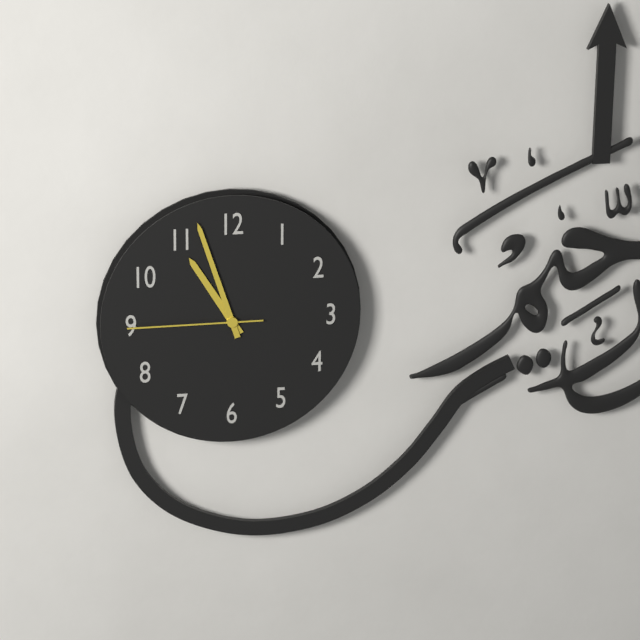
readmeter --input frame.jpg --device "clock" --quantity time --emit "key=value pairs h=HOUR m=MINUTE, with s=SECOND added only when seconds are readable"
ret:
h=10 m=57 s=45
